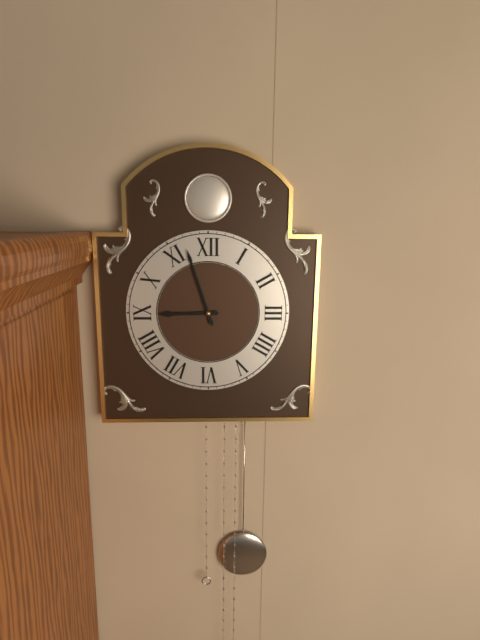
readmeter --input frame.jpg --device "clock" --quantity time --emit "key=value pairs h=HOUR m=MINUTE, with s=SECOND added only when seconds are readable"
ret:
h=8 m=57
